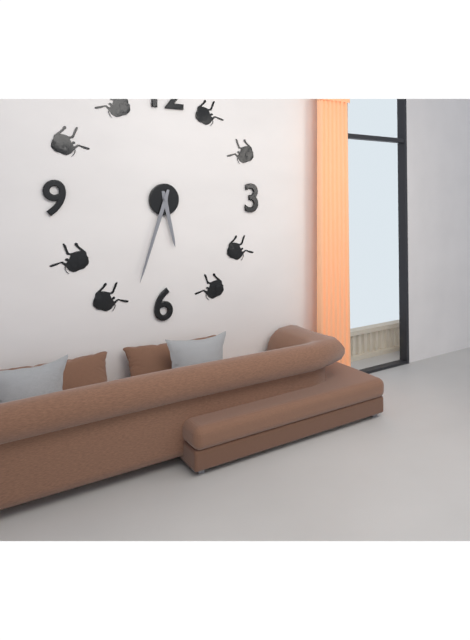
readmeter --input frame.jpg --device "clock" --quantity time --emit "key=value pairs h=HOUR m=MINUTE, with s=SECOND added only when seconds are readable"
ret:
h=5 m=33
